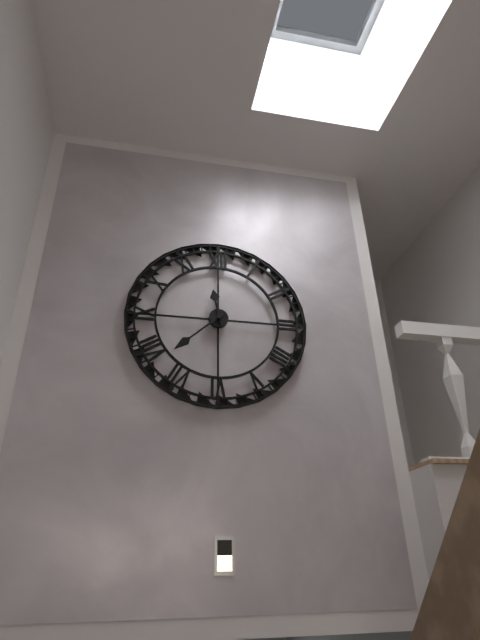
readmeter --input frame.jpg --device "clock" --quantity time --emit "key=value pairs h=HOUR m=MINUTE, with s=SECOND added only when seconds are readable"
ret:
h=11 m=38
